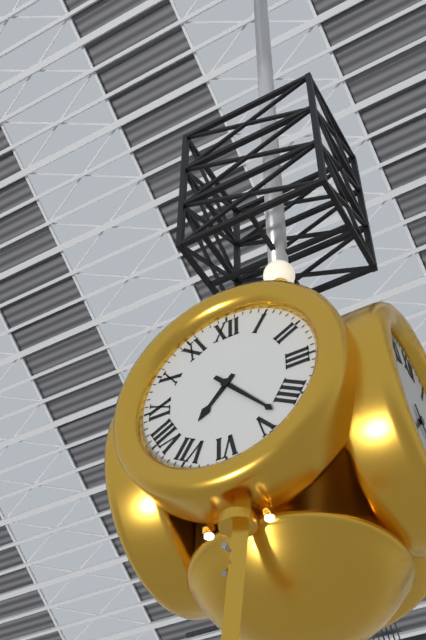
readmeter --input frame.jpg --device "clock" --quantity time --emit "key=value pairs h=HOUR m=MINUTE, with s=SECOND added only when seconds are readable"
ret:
h=7 m=23
